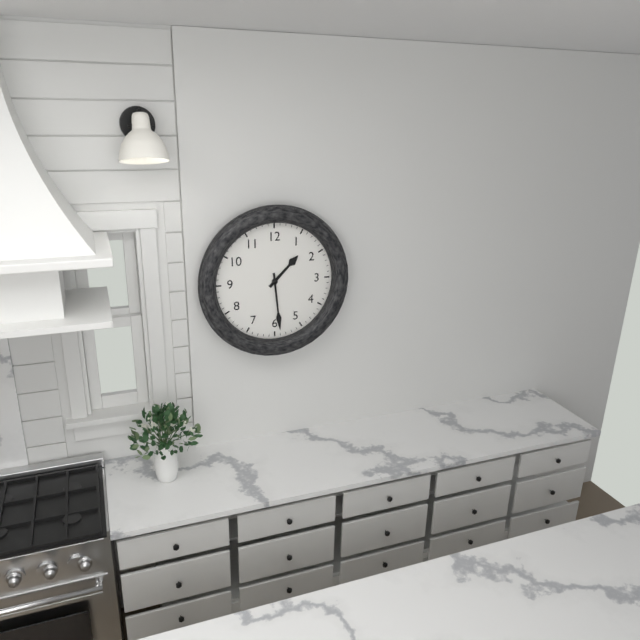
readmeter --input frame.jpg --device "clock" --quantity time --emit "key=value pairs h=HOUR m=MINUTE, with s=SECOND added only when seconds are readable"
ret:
h=1 m=29
